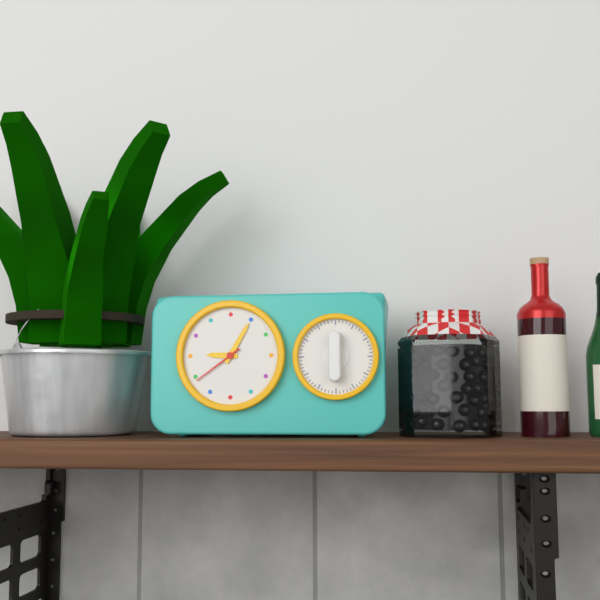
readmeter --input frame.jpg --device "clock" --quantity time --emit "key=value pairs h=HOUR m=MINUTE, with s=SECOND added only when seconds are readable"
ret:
h=9 m=5 s=39
